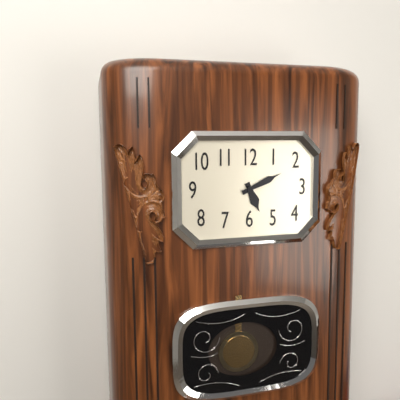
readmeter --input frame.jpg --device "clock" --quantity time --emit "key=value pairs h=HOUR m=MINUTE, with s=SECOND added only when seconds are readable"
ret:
h=5 m=11
